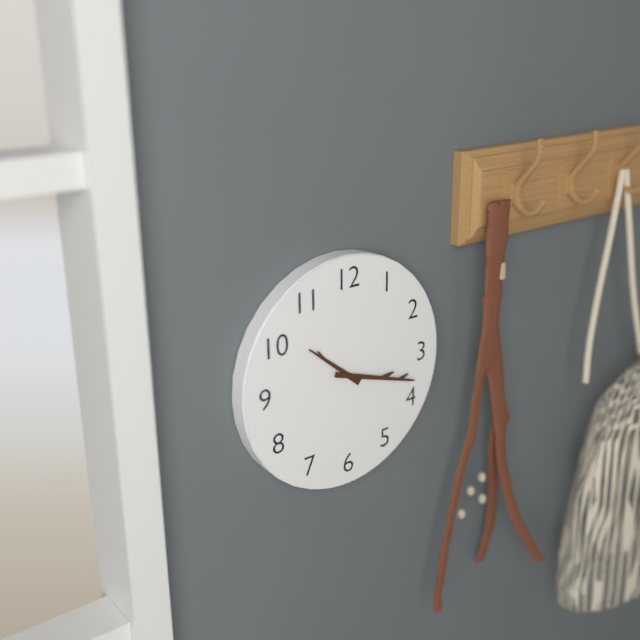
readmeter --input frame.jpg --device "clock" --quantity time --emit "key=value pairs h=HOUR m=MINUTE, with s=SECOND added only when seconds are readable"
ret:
h=10 m=18
